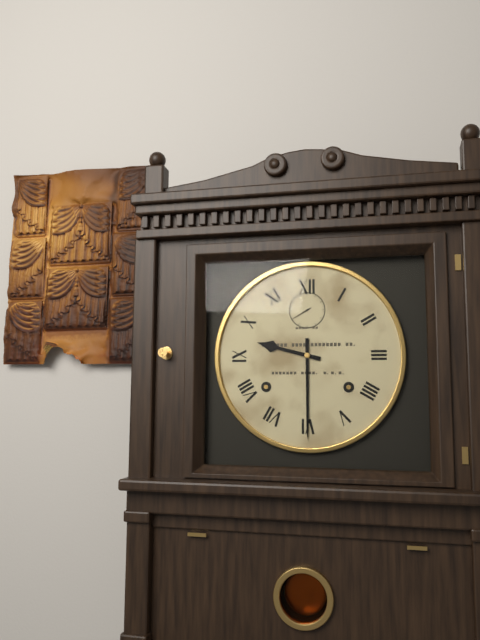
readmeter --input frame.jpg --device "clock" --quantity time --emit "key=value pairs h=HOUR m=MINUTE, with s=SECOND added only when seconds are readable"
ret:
h=9 m=30
